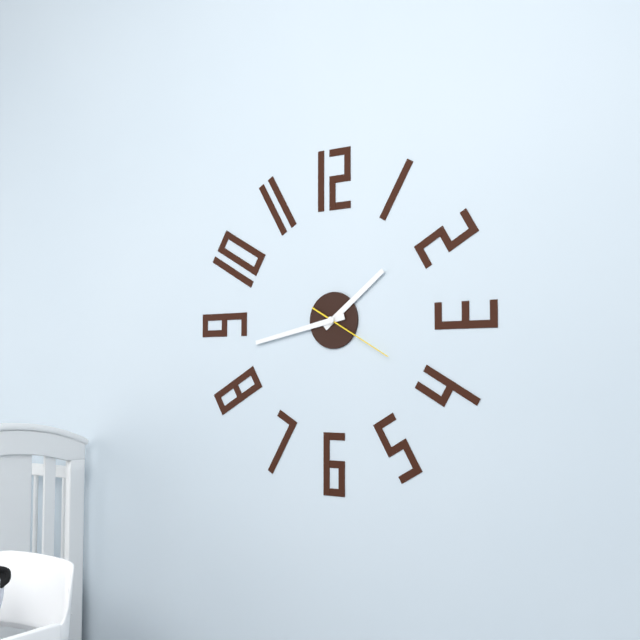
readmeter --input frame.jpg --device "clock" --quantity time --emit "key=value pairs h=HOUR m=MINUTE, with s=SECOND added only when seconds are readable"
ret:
h=1 m=43 s=20
